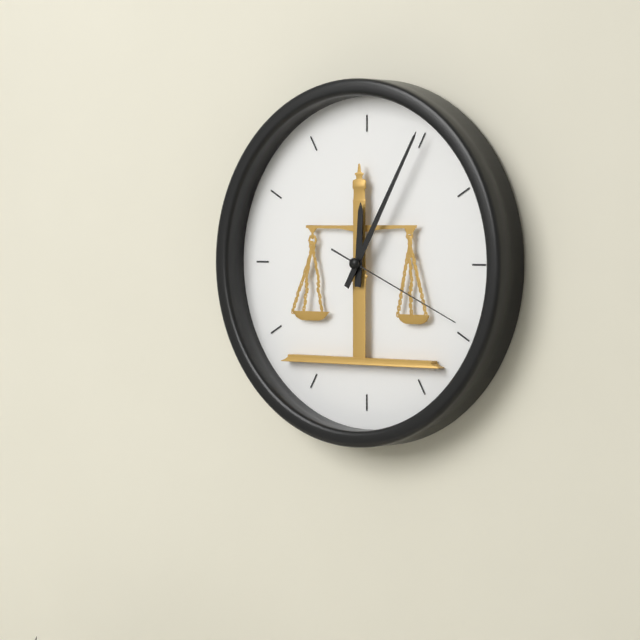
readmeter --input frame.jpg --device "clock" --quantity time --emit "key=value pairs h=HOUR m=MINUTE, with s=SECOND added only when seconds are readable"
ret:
h=12 m=5 s=19
